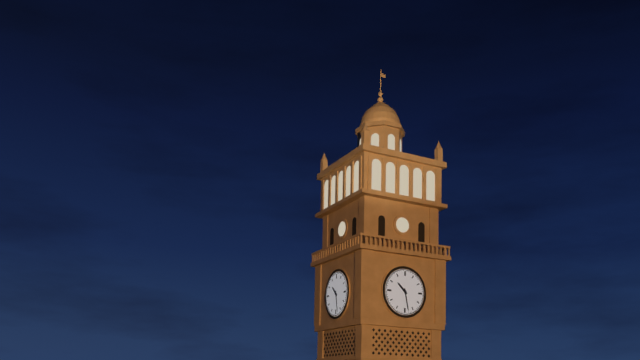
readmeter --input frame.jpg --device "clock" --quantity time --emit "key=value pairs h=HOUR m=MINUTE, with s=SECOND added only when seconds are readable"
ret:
h=10 m=28
